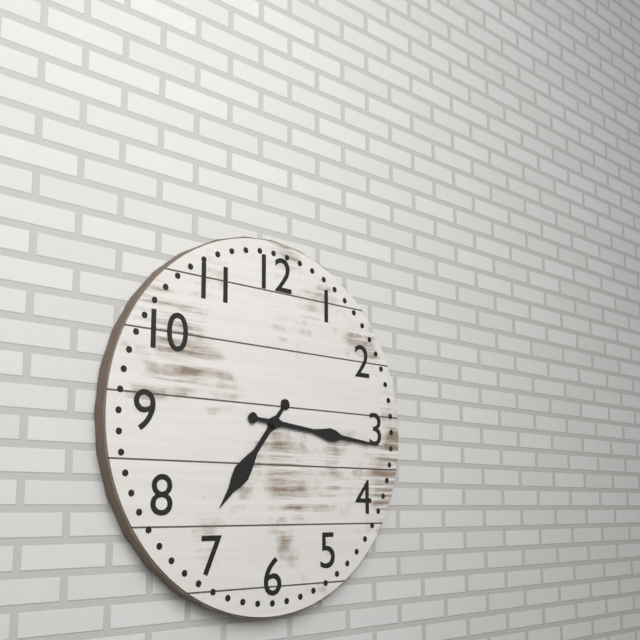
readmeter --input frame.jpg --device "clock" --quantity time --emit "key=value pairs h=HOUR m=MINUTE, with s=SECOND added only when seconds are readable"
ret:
h=7 m=16
